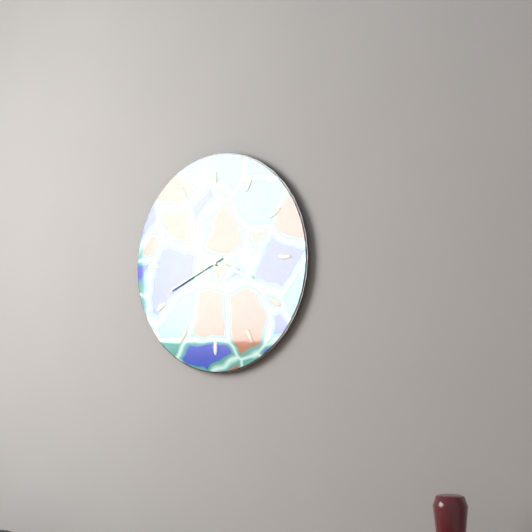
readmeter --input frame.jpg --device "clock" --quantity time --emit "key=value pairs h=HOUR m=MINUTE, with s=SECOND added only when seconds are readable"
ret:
h=3 m=41
